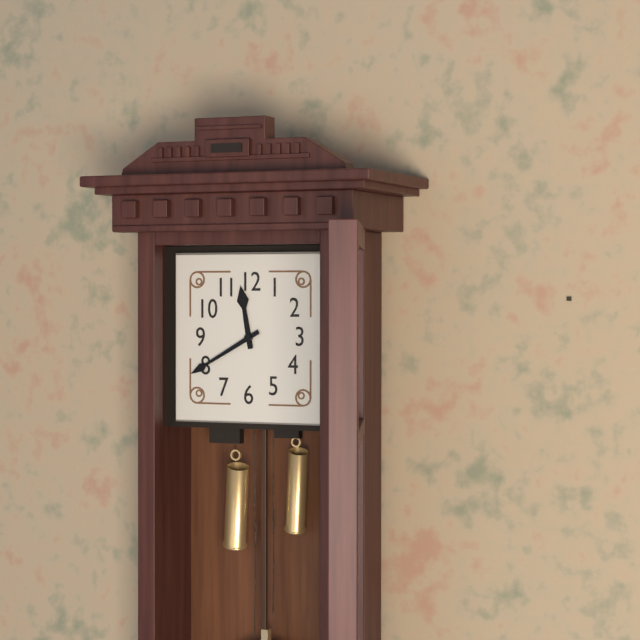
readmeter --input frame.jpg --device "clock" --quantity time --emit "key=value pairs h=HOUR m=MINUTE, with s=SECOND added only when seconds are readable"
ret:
h=11 m=40
